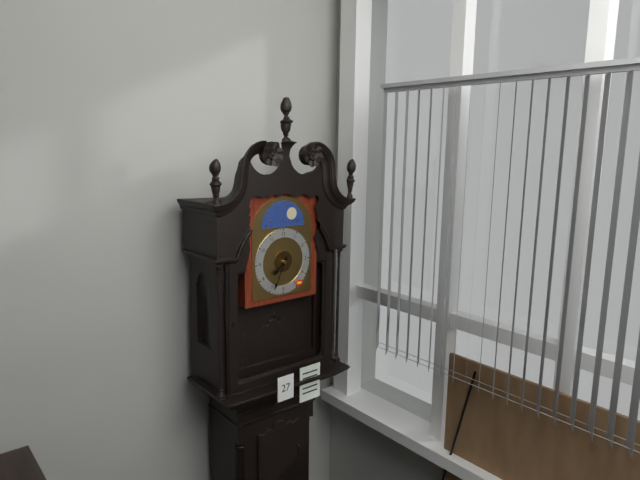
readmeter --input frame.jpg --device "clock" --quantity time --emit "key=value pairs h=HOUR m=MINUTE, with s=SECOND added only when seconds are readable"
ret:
h=7 m=34
